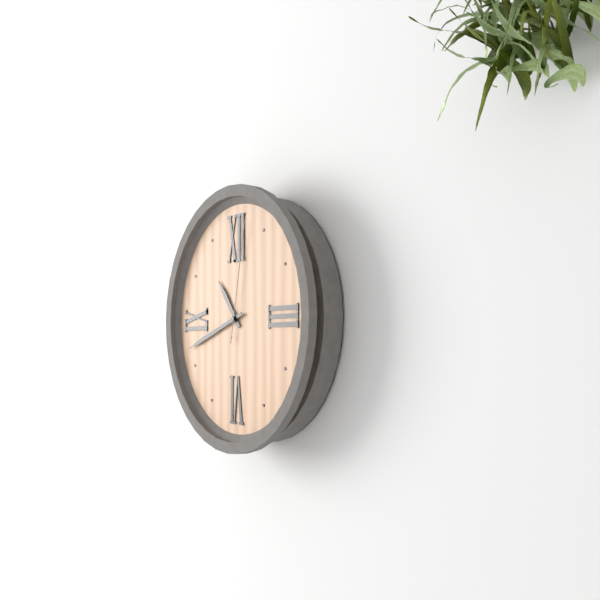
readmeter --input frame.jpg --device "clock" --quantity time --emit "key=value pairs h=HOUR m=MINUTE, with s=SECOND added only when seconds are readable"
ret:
h=10 m=42 s=2
